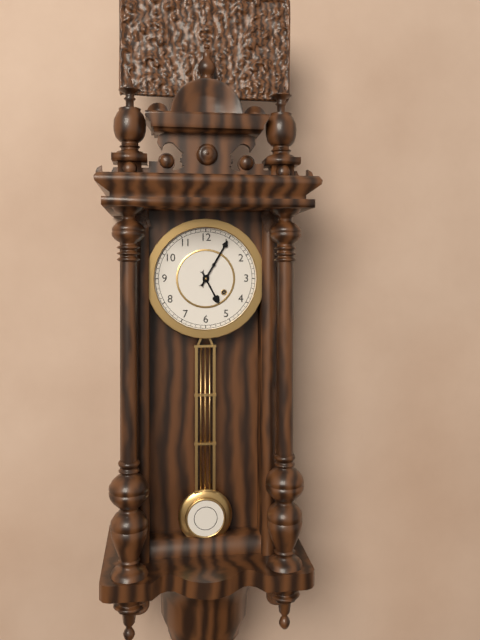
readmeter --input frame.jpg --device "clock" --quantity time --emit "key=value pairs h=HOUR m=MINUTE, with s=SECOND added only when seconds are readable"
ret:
h=5 m=5
